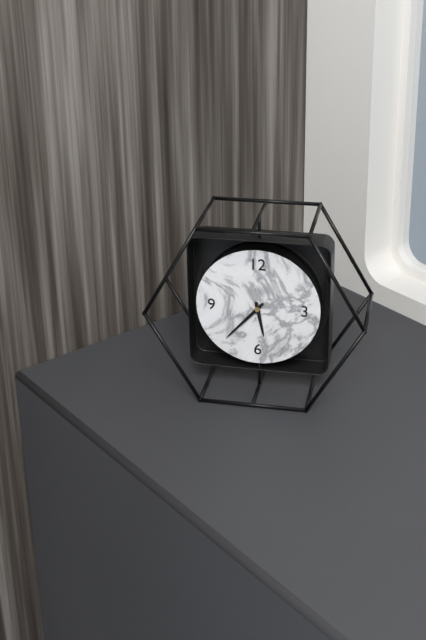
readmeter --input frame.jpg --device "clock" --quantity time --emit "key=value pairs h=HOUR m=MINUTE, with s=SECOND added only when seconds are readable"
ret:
h=5 m=37
